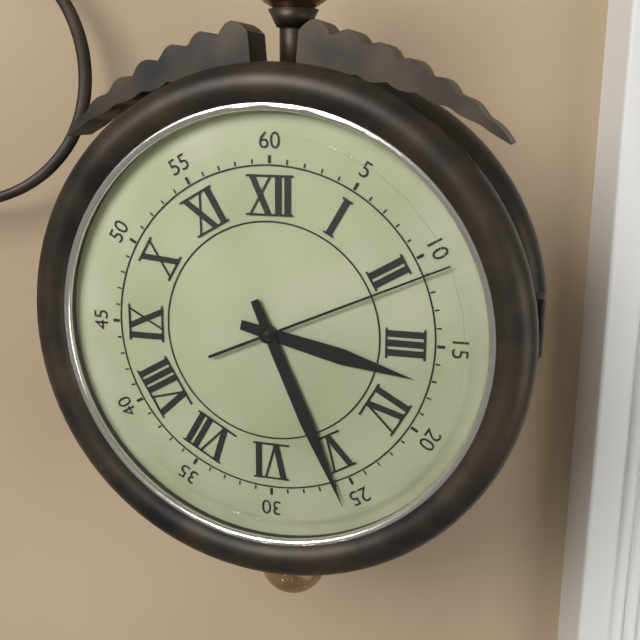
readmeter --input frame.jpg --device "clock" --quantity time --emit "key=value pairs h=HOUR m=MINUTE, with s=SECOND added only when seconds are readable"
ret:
h=3 m=26 s=11
